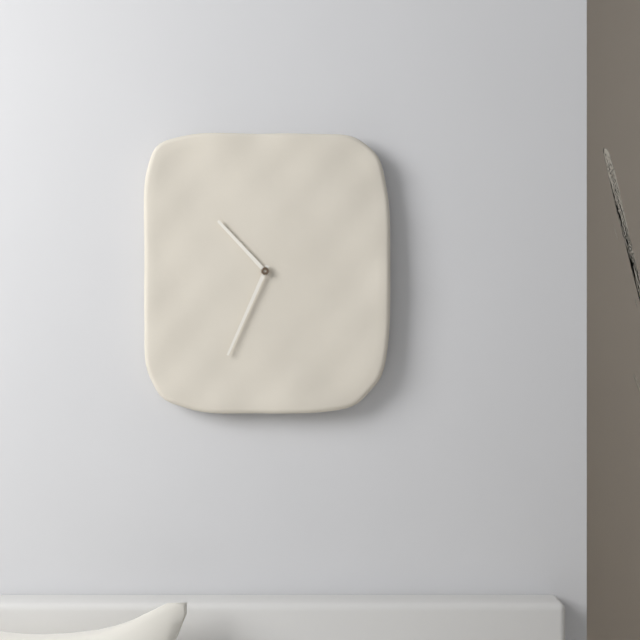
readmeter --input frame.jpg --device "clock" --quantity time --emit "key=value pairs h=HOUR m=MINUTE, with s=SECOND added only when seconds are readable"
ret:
h=10 m=34
